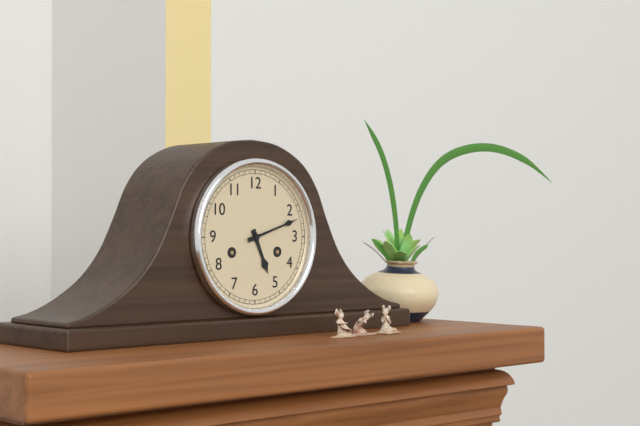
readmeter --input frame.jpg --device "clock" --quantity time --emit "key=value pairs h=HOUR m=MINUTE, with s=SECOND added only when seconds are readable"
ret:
h=5 m=12
